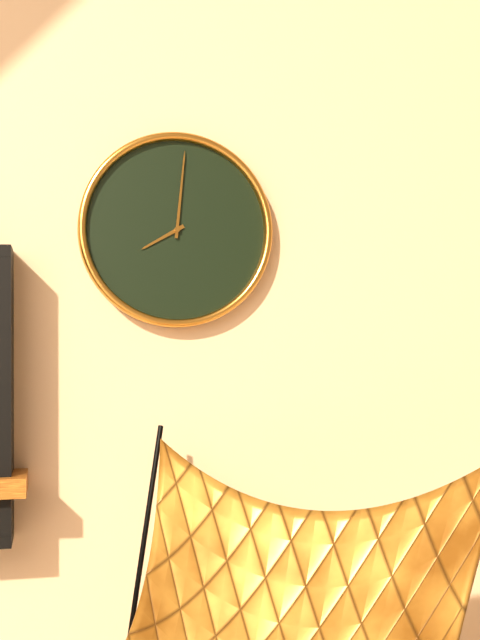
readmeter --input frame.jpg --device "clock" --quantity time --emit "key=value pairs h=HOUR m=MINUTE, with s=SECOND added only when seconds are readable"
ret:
h=8 m=1
